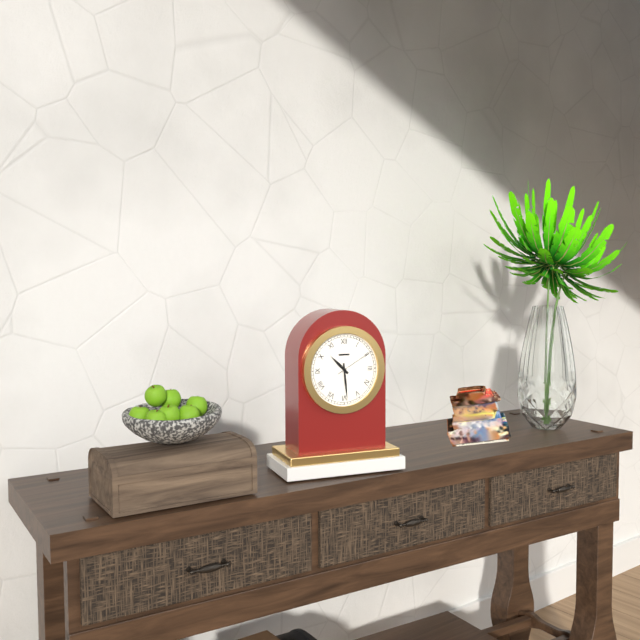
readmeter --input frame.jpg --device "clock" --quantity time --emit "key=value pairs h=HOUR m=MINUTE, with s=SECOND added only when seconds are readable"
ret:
h=10 m=29
